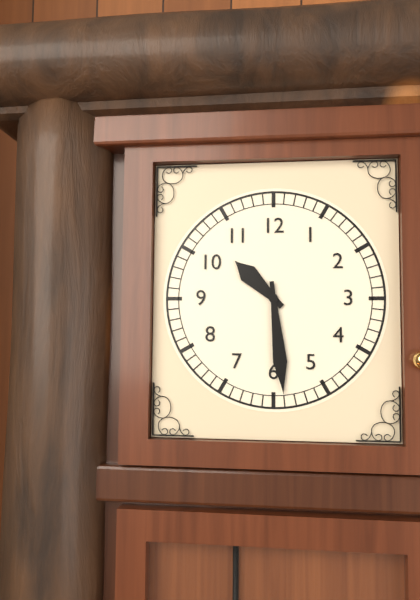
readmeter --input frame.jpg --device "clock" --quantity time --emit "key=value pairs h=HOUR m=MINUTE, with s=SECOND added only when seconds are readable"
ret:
h=10 m=29
